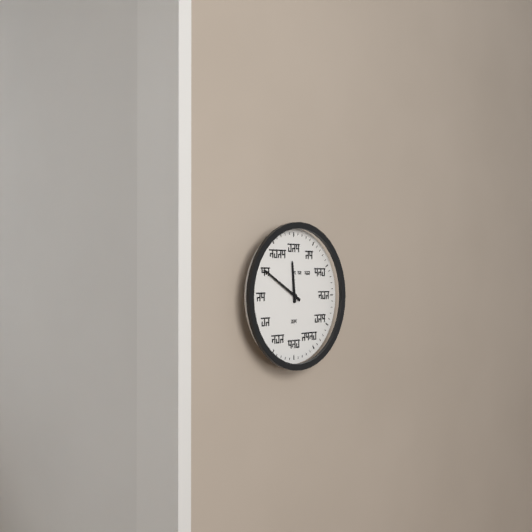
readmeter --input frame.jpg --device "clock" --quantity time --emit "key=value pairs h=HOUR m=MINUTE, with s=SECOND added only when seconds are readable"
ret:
h=11 m=50
